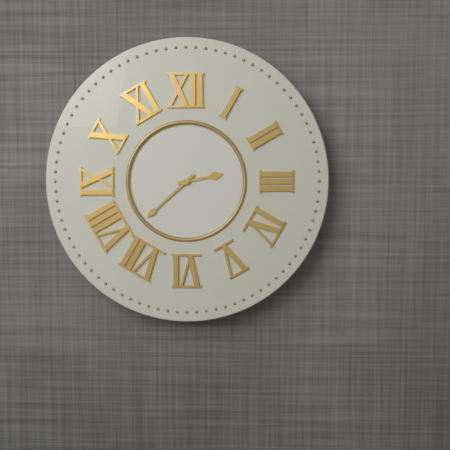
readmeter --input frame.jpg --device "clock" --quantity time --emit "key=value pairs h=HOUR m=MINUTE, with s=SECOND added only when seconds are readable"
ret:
h=2 m=38
